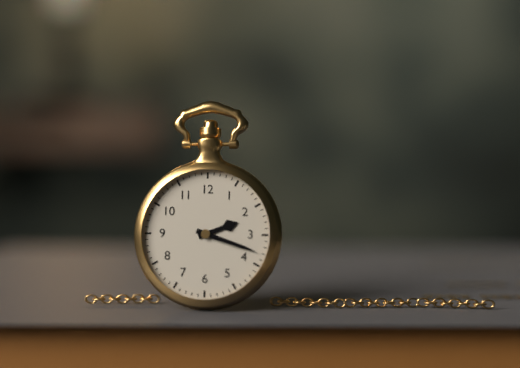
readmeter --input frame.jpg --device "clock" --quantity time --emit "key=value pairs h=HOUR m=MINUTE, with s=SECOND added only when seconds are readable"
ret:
h=2 m=18
